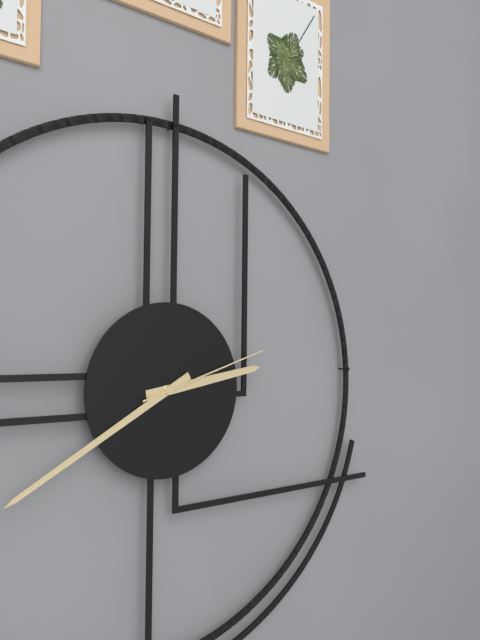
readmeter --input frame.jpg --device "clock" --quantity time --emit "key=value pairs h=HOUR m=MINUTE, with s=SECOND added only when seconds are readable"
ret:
h=2 m=40 s=12
